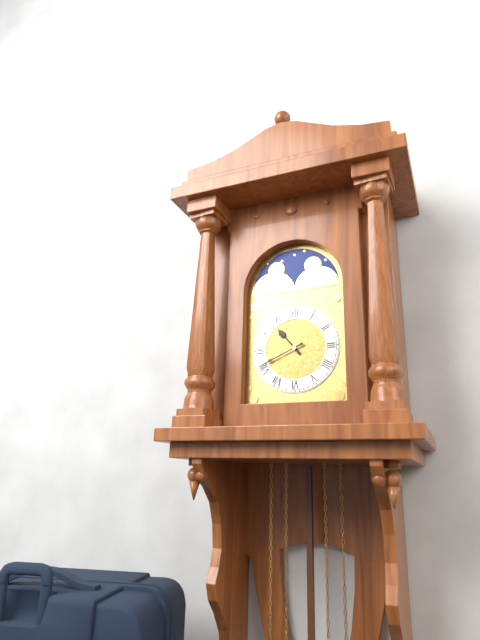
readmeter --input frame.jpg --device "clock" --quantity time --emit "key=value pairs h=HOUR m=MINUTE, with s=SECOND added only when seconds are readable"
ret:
h=10 m=41
